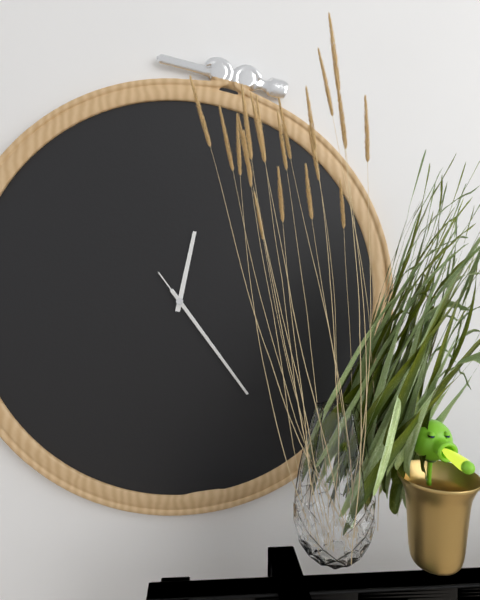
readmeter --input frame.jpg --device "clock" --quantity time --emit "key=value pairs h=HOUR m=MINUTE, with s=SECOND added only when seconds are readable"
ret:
h=12 m=24 s=24
